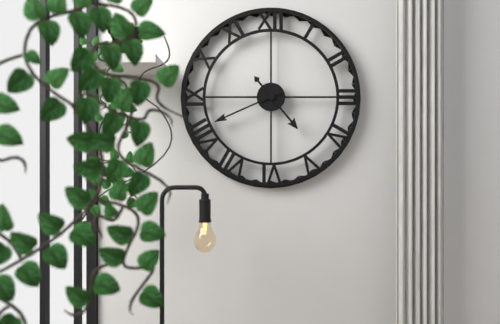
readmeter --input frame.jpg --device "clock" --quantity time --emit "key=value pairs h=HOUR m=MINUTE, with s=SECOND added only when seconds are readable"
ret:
h=4 m=41
